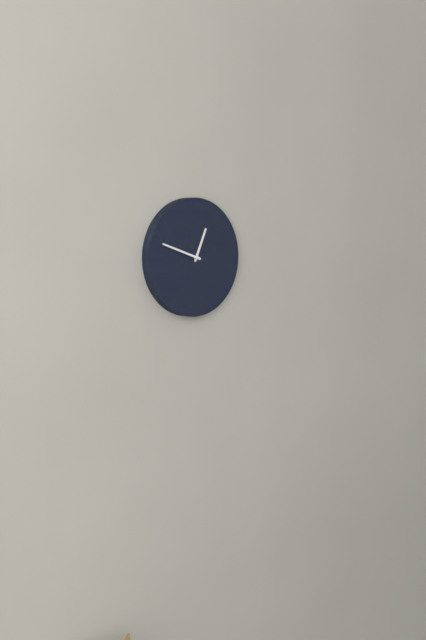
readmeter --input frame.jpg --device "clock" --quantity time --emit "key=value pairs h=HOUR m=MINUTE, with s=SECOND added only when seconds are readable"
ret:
h=12 m=48
